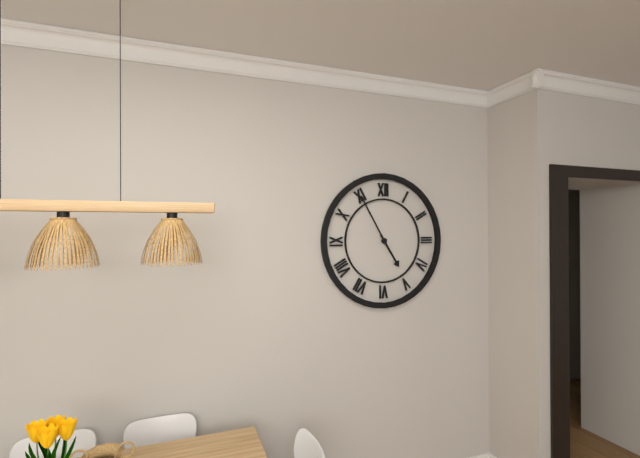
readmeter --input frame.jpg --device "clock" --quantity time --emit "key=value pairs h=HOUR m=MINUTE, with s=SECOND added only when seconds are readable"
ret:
h=4 m=55
